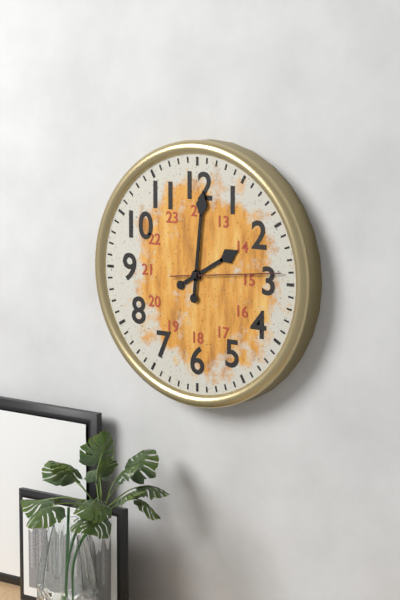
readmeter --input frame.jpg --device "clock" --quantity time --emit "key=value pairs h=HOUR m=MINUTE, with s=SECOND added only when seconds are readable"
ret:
h=2 m=1 s=14
